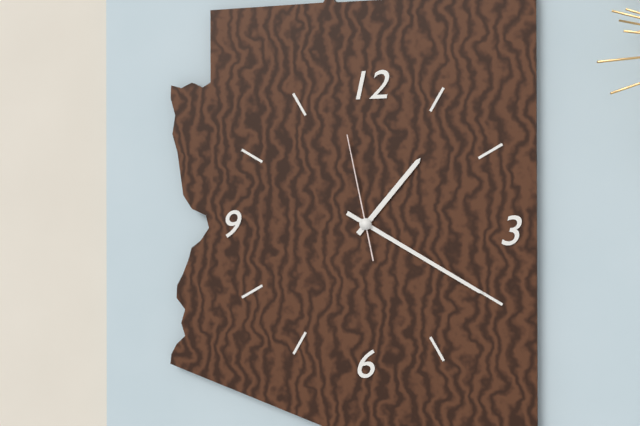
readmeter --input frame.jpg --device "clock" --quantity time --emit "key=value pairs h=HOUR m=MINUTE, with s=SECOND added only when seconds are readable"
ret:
h=1 m=20 s=58
